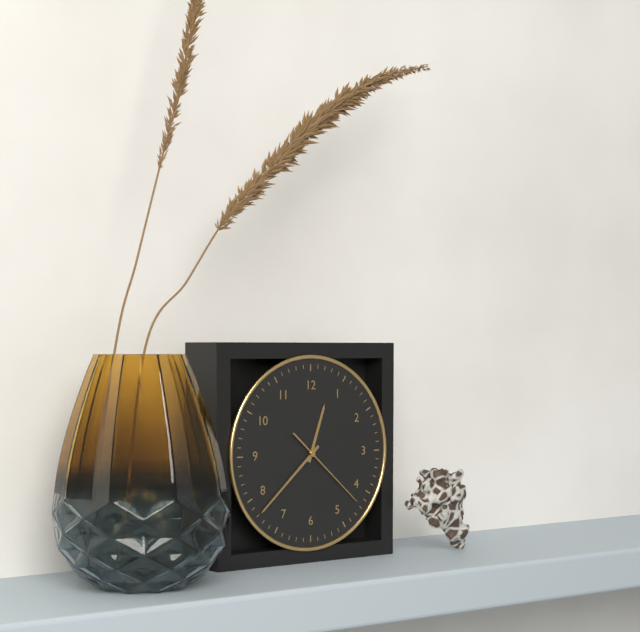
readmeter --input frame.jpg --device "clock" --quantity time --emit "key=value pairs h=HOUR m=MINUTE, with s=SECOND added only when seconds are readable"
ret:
h=12 m=38 s=22
